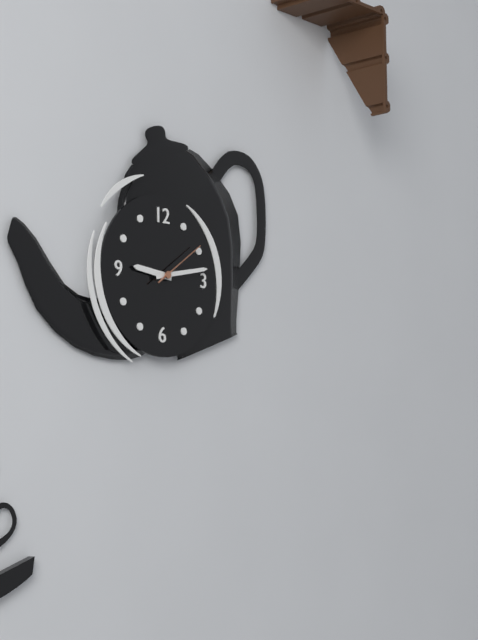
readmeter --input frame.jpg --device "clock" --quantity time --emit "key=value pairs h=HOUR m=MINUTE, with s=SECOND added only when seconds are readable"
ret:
h=9 m=13 s=9
